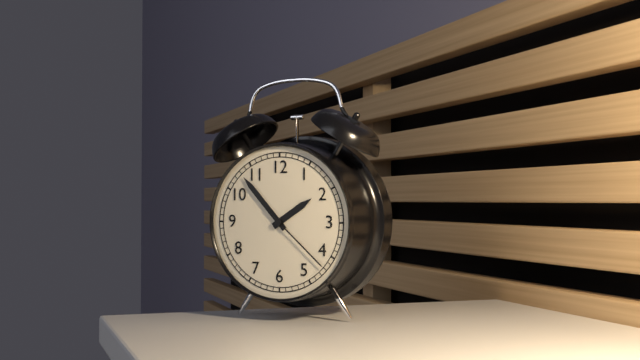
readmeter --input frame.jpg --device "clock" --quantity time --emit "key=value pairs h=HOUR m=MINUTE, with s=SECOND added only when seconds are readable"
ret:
h=1 m=53 s=22
